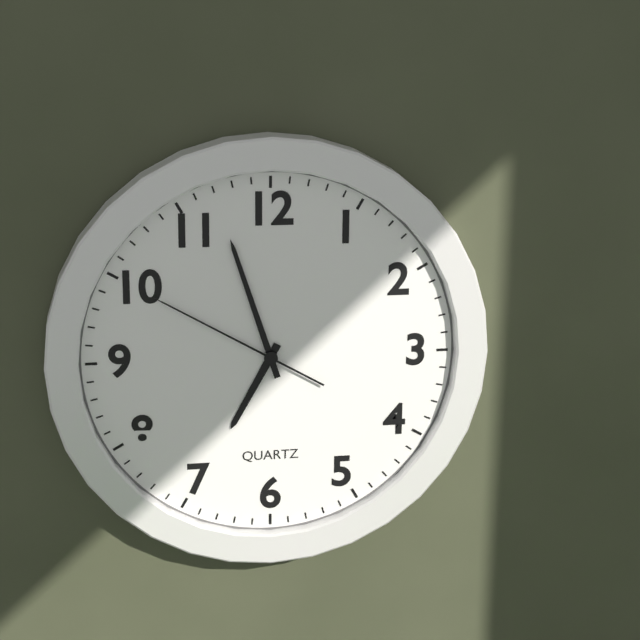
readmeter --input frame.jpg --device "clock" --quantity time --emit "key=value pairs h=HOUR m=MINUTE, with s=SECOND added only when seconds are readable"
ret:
h=6 m=57 s=50
